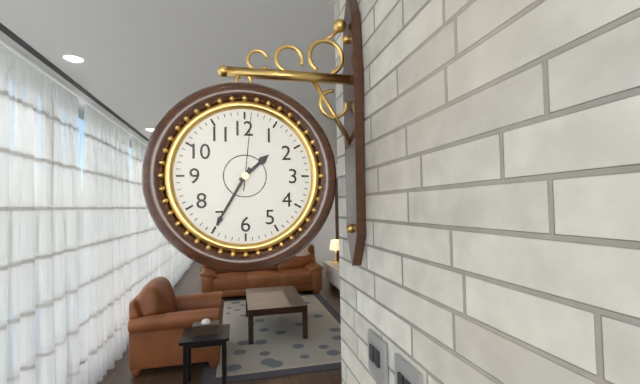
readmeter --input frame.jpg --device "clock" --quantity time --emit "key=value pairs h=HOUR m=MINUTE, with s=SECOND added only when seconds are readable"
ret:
h=1 m=35 s=1
